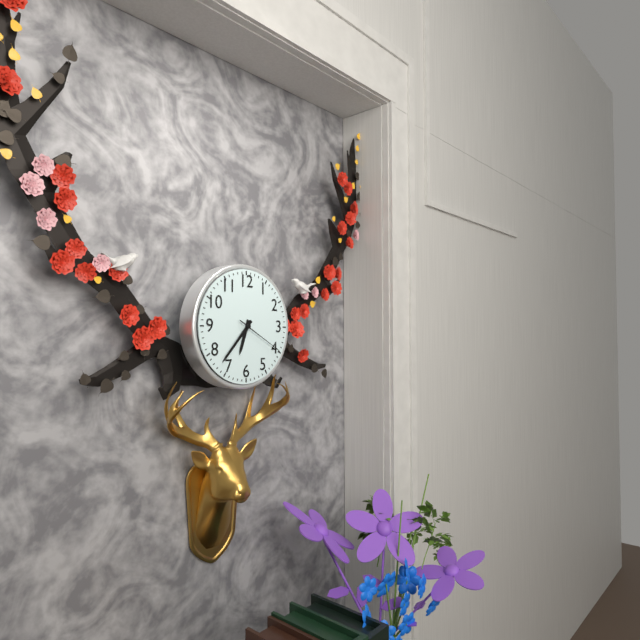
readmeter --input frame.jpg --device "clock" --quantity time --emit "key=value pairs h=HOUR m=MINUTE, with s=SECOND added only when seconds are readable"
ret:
h=6 m=37 s=20
